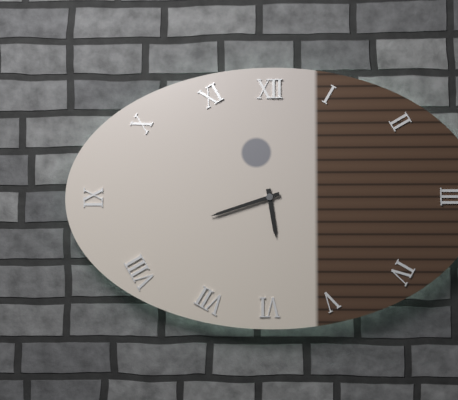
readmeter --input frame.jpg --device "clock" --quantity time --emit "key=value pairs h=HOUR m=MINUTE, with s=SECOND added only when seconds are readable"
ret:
h=5 m=42
